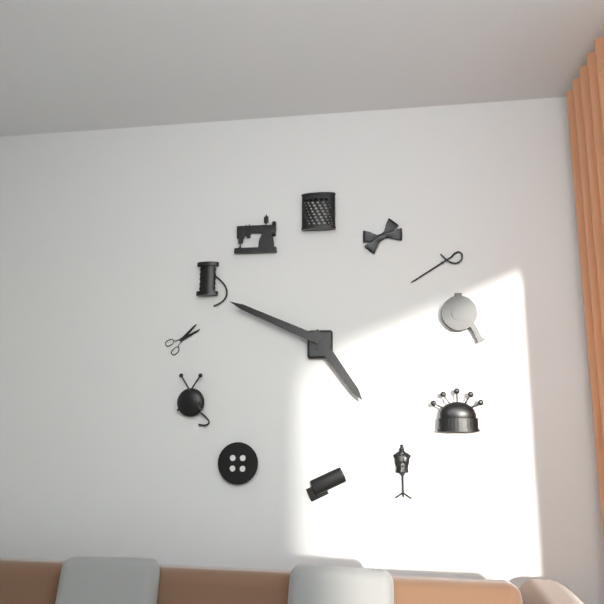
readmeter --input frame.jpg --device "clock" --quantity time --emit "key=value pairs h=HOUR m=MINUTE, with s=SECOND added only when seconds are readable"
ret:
h=4 m=49
